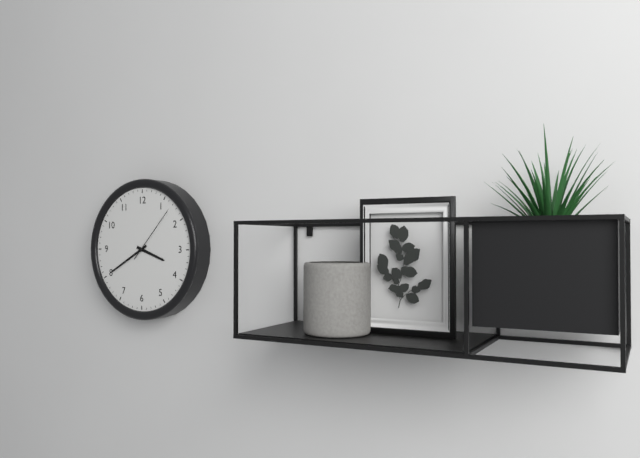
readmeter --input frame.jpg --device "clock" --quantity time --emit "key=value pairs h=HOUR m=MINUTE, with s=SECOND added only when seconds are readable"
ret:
h=3 m=40 s=7
